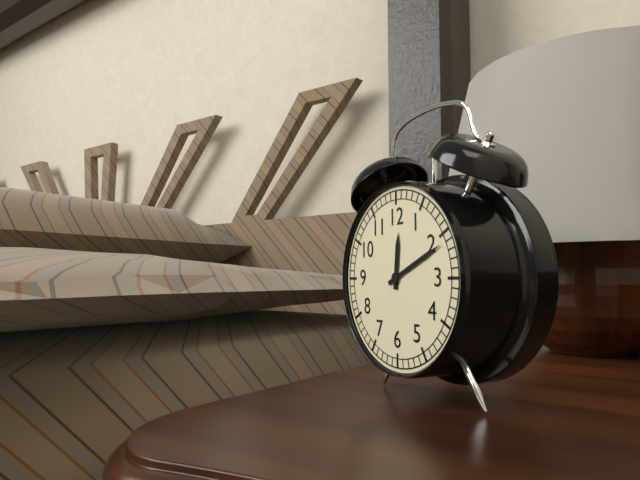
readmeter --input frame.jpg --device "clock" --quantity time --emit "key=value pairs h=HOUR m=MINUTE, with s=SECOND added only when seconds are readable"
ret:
h=12 m=11
